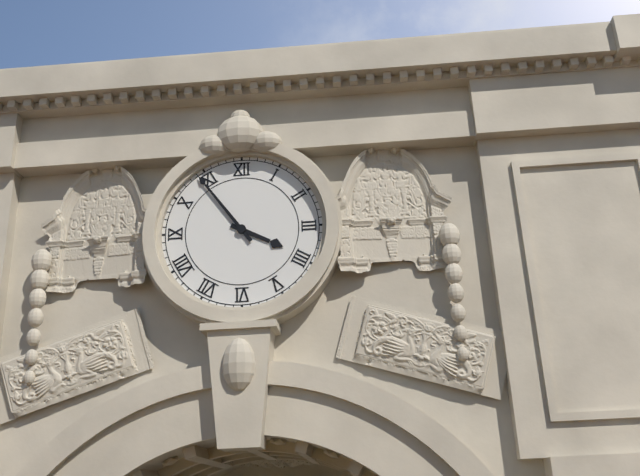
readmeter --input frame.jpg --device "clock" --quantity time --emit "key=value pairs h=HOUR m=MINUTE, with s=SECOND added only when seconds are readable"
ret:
h=3 m=54
